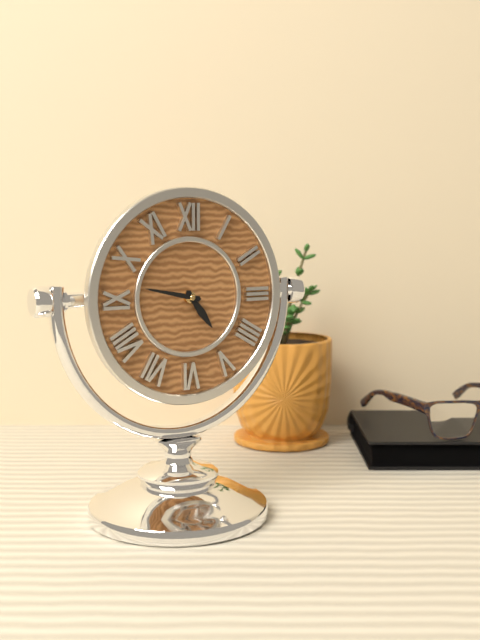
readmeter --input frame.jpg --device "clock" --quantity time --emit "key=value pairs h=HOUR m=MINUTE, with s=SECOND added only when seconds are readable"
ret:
h=4 m=47
